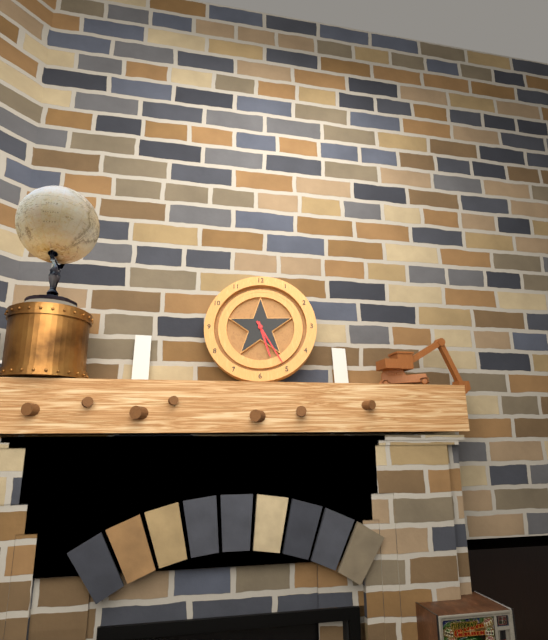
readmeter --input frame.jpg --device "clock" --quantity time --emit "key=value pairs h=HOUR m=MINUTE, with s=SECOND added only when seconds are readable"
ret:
h=5 m=25
